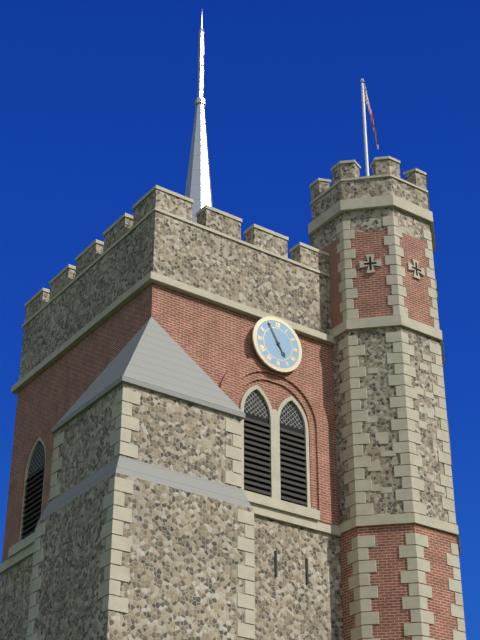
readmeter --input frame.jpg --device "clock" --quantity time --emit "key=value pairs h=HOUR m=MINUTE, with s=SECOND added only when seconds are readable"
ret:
h=4 m=55
